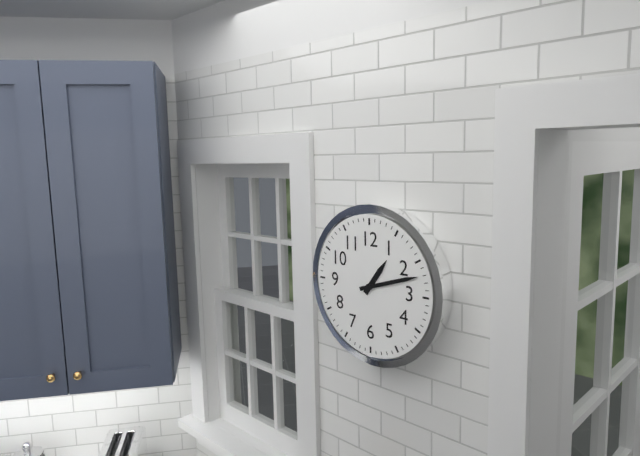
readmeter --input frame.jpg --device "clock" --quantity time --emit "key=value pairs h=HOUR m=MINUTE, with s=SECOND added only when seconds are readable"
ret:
h=1 m=12
